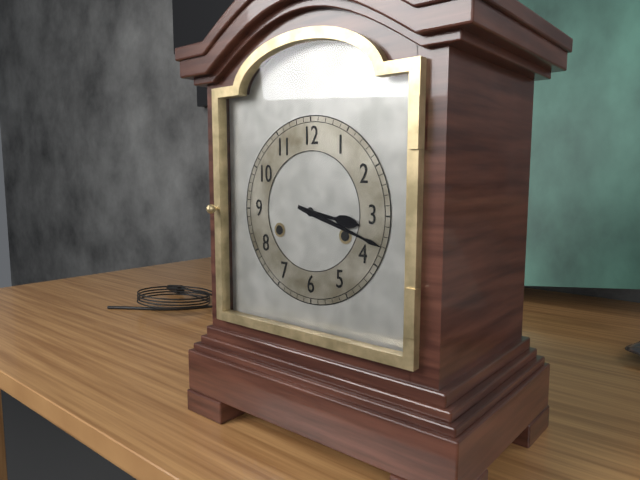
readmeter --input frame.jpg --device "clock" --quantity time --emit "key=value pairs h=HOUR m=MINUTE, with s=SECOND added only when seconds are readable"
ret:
h=3 m=18
